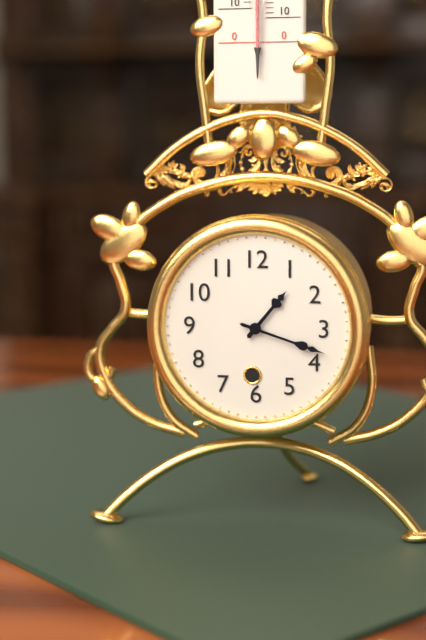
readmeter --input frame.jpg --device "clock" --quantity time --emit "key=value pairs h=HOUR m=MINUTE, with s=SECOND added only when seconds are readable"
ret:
h=1 m=18
